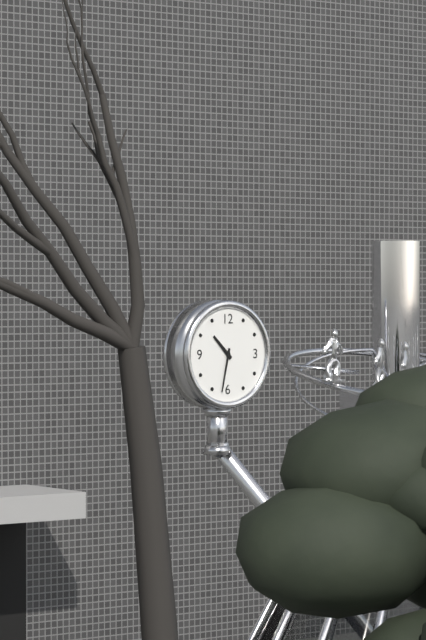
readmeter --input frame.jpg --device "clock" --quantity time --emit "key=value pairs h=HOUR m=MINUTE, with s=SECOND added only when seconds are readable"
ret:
h=10 m=32
